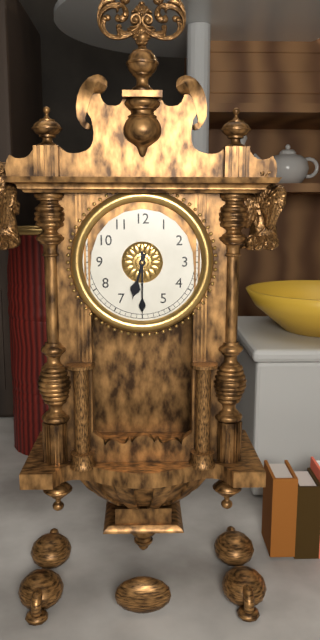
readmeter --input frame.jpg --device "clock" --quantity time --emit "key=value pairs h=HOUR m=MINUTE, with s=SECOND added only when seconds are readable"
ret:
h=6 m=30
